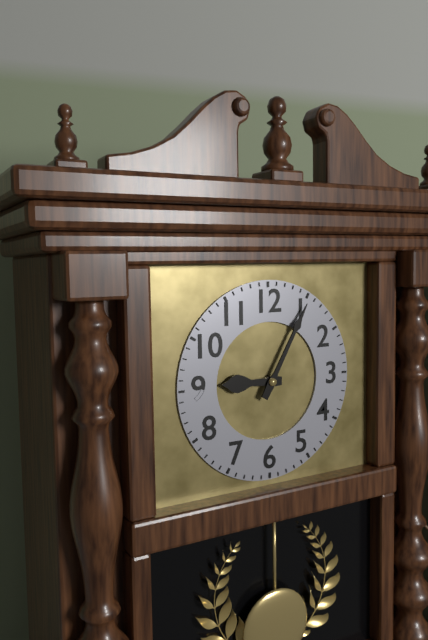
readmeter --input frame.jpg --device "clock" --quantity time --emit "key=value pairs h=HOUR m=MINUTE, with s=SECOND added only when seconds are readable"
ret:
h=9 m=5
